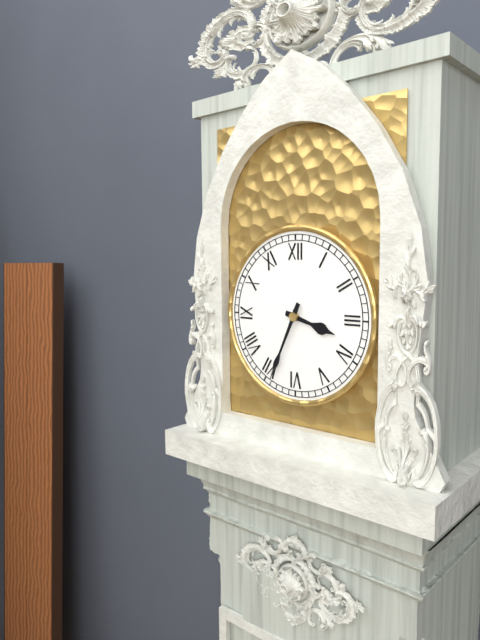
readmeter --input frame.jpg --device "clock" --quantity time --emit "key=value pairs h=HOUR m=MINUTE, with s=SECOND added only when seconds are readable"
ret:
h=3 m=34
